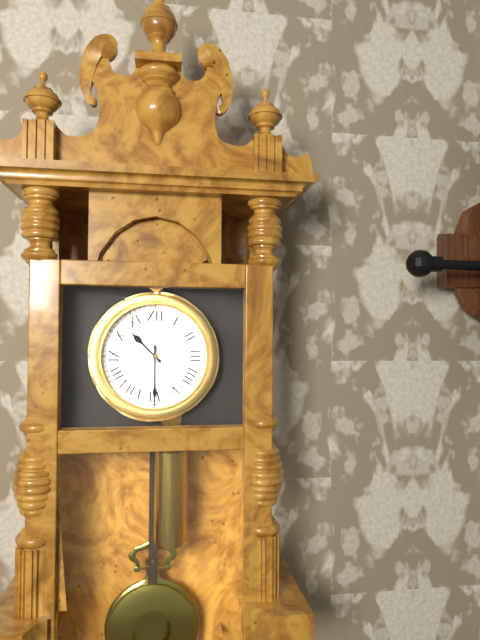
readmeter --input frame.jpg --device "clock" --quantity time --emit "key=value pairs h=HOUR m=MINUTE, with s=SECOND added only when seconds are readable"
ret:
h=10 m=30
